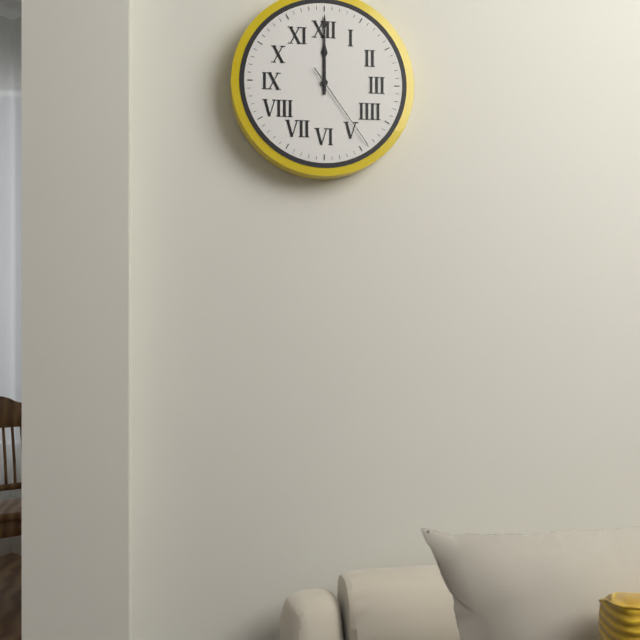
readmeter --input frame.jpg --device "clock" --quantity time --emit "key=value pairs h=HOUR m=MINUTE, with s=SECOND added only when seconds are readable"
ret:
h=12 m=0 s=24
